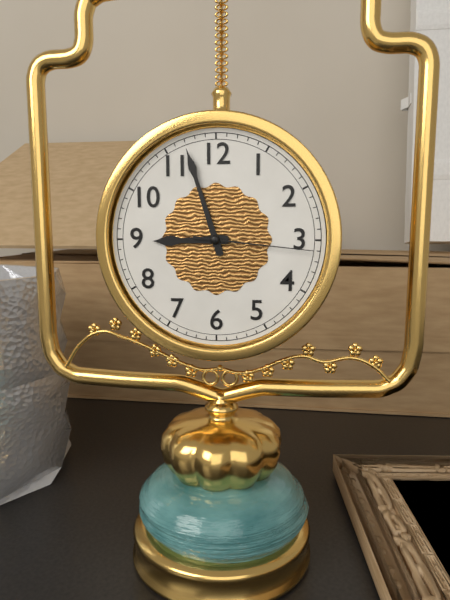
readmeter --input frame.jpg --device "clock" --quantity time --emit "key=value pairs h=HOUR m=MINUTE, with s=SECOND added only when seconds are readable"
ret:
h=8 m=57 s=16
